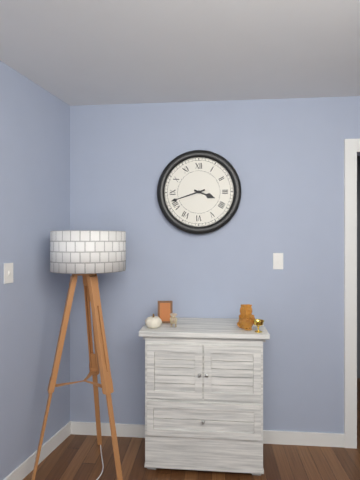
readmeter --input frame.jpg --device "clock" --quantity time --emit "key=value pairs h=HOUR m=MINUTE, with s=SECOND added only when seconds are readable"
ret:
h=3 m=42
